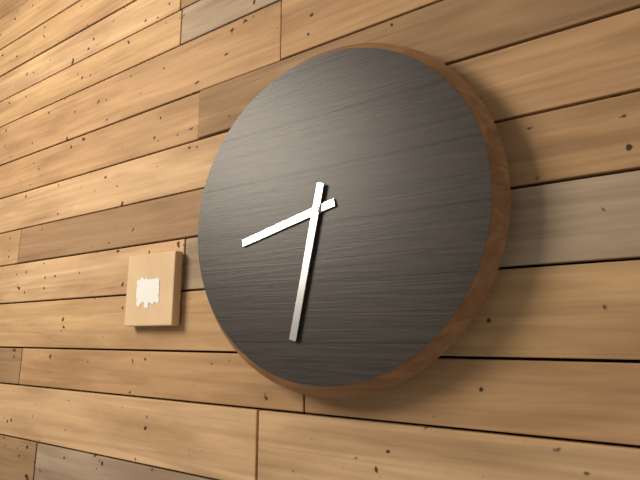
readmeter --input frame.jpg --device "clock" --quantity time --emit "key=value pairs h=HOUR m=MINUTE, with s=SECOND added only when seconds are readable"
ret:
h=8 m=32
